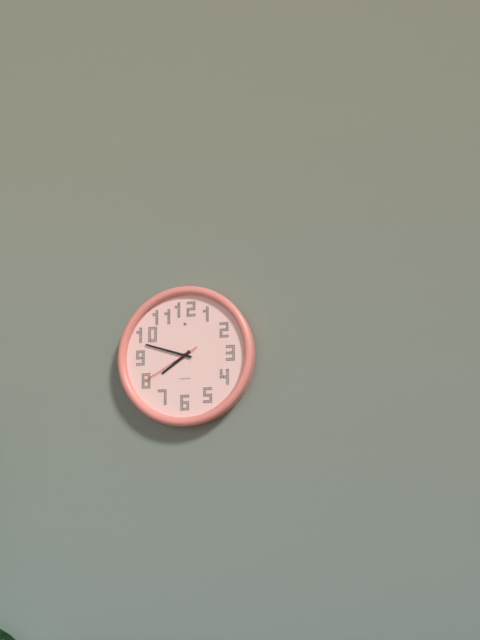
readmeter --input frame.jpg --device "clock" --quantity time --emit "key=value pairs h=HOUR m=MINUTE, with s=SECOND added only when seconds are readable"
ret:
h=7 m=48 s=40
